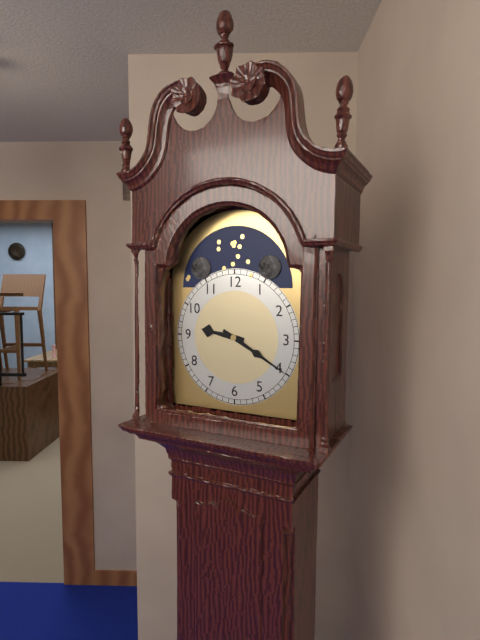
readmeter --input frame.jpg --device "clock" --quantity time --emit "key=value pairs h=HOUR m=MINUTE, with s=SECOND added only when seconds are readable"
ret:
h=9 m=20
